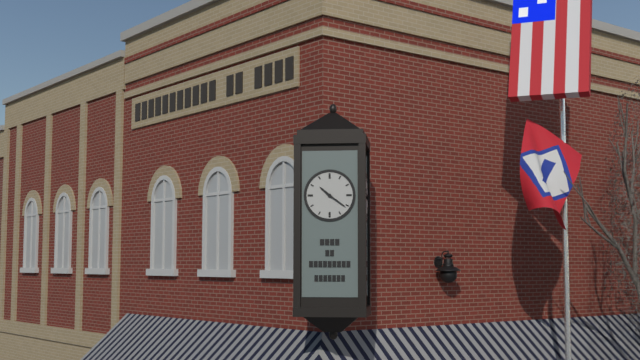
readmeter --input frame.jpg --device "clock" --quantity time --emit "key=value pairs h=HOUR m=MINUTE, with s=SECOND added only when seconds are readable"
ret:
h=10 m=21
